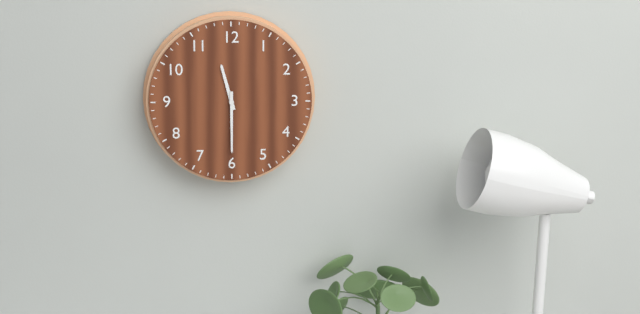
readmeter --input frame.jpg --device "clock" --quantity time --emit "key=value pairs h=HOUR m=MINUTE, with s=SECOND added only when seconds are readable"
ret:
h=11 m=30
